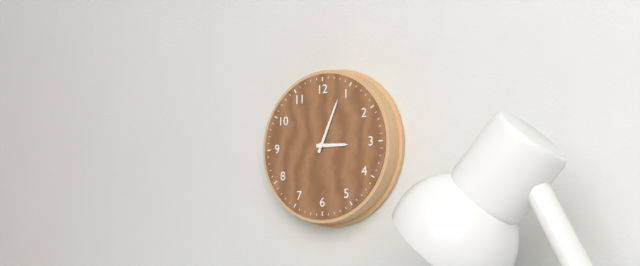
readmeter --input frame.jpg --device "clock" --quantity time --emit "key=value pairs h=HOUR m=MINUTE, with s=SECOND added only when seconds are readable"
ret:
h=3 m=4
